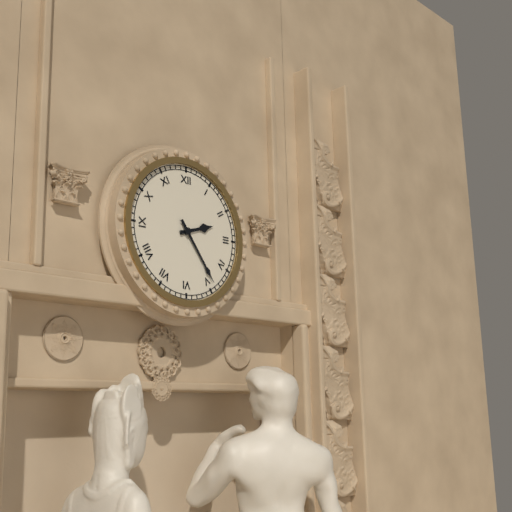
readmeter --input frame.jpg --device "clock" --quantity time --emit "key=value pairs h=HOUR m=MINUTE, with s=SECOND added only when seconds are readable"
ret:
h=2 m=24
